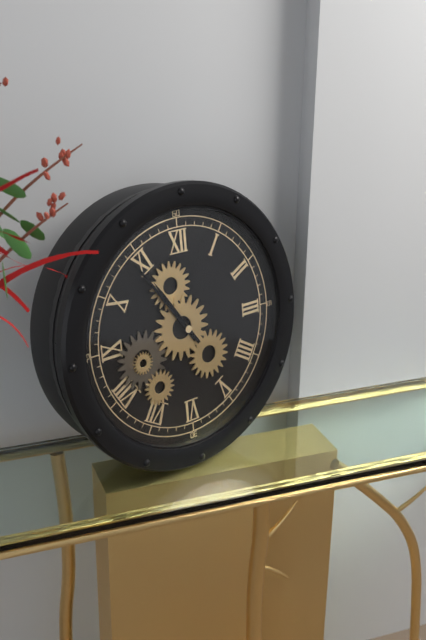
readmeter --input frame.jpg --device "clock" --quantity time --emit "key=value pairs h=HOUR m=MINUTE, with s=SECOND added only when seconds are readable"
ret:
h=10 m=54
